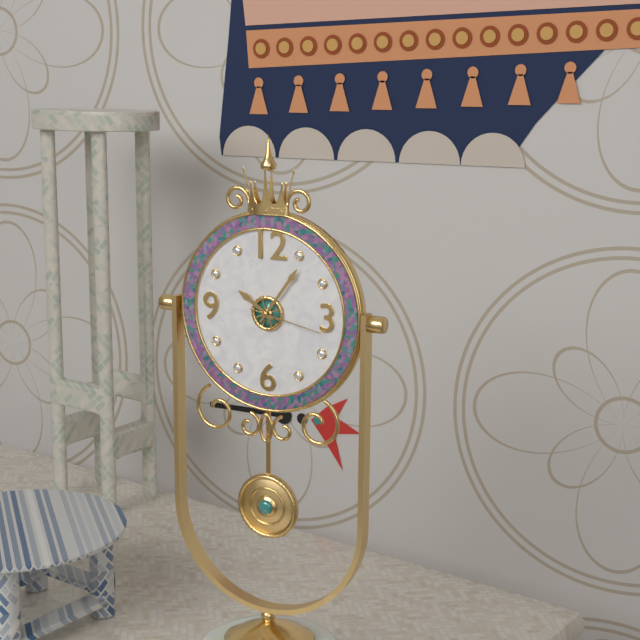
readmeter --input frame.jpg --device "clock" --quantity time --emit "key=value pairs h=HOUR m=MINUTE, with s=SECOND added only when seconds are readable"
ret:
h=10 m=6 s=17
